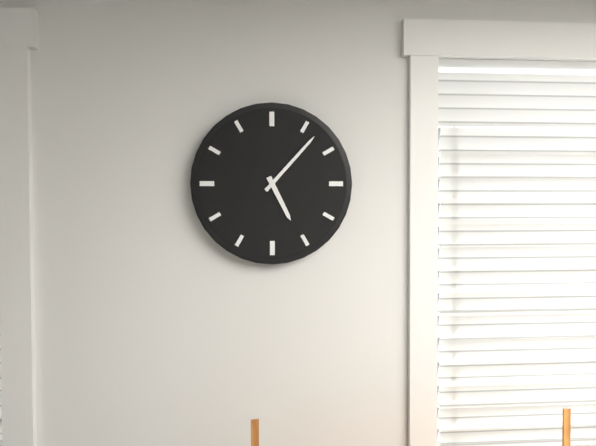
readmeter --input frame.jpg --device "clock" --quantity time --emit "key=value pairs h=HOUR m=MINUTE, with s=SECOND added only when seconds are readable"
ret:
h=5 m=7
